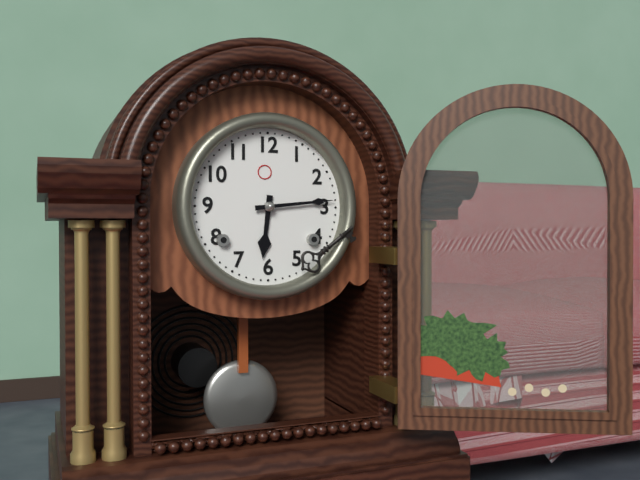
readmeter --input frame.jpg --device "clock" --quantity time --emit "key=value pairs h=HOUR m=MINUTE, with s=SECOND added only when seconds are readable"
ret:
h=6 m=14
